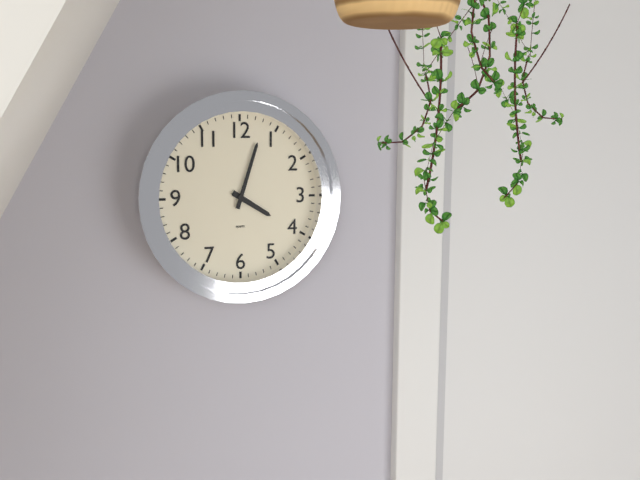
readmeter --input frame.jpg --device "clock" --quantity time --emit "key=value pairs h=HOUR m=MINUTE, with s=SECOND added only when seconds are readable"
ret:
h=4 m=3
